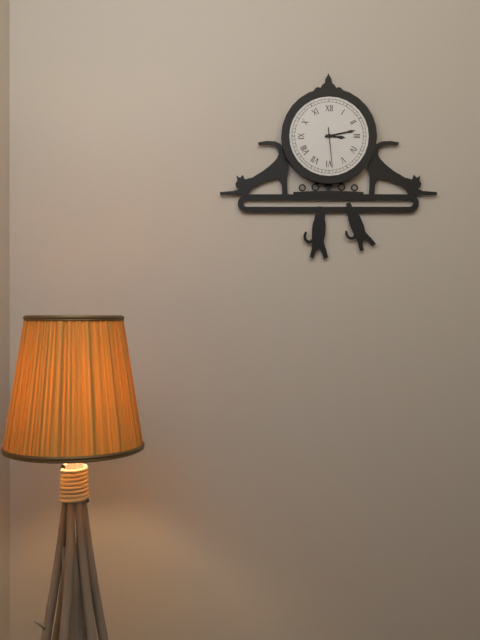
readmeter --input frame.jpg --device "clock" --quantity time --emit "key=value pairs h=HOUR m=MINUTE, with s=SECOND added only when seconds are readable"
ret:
h=3 m=13
